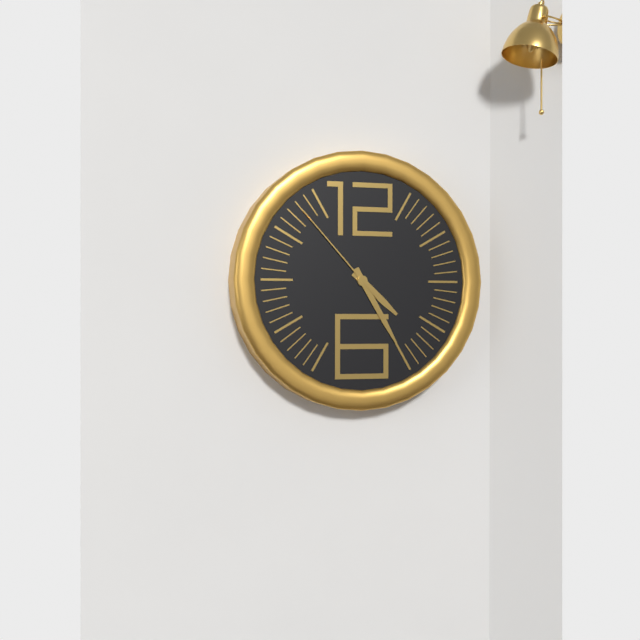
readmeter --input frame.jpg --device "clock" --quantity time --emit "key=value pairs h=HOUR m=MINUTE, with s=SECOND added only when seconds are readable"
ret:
h=4 m=25 s=53
